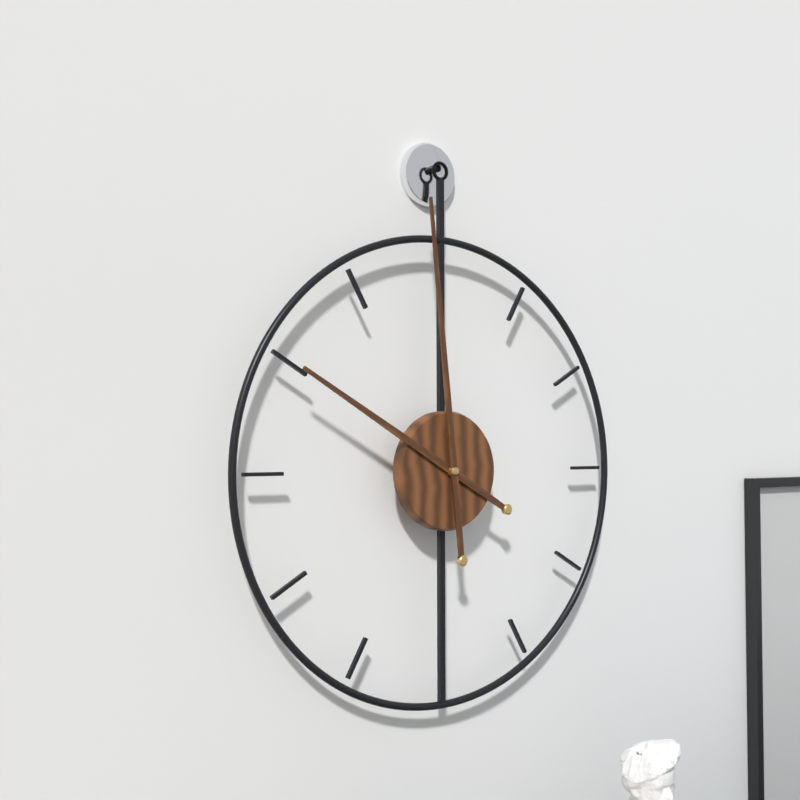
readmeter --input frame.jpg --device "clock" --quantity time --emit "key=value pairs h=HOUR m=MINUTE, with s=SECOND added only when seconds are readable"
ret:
h=9 m=59
